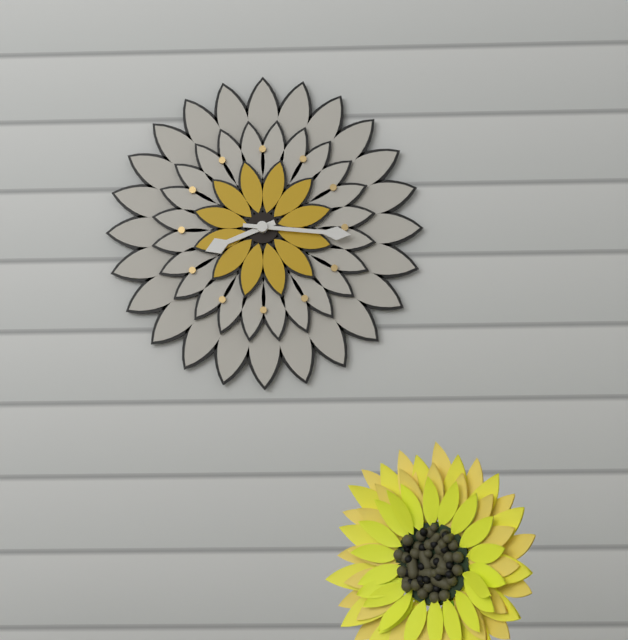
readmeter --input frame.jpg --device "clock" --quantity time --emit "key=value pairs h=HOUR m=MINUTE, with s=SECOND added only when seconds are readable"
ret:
h=8 m=16
